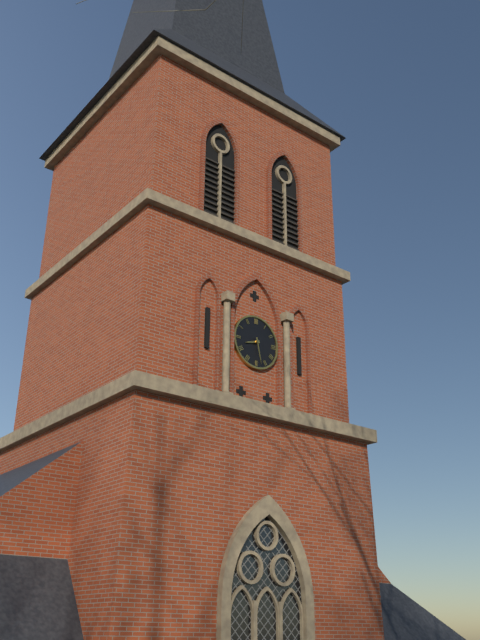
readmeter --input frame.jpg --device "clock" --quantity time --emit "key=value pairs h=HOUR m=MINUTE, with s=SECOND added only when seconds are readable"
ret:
h=8 m=28
